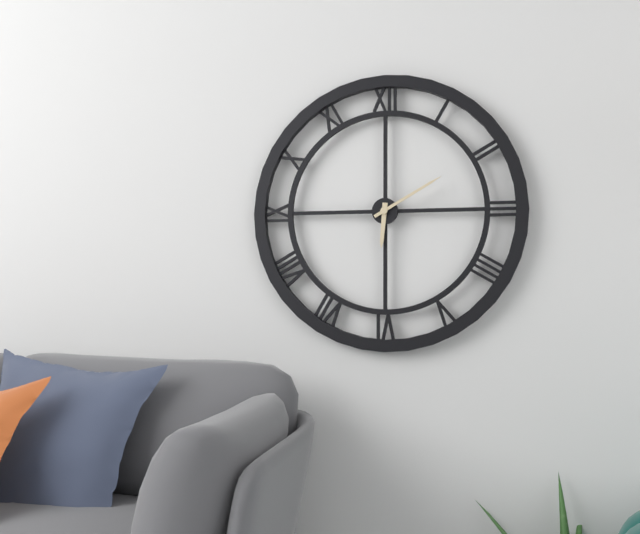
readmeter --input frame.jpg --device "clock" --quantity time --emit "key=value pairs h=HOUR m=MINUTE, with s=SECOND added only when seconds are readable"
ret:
h=6 m=10
